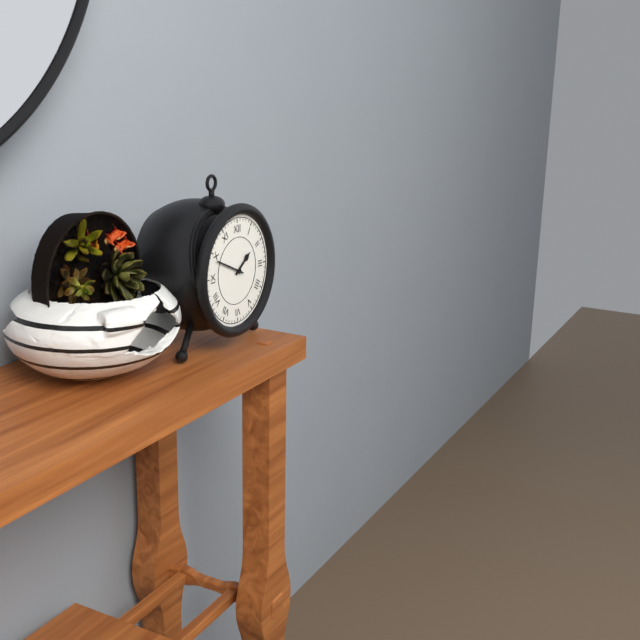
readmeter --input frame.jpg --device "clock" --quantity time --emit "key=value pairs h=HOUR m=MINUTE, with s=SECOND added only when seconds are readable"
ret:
h=1 m=49
